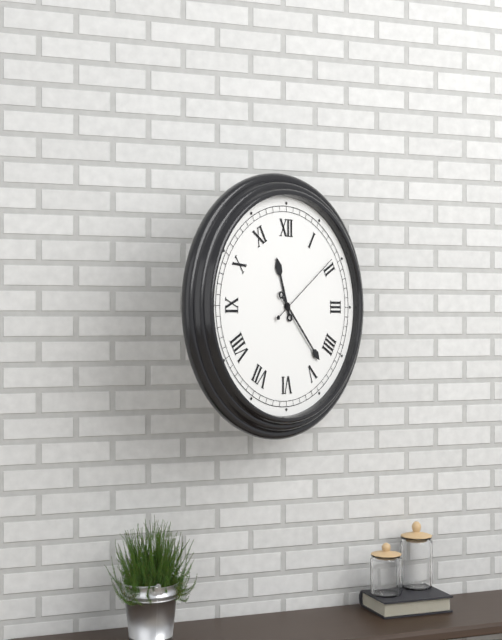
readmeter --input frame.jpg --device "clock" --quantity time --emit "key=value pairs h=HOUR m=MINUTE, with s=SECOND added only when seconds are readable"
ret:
h=11 m=23 s=9
